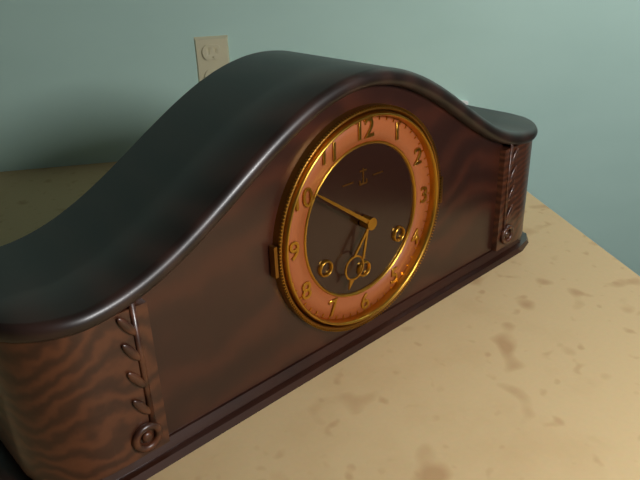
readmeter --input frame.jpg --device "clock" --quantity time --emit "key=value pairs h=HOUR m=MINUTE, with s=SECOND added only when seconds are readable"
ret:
h=6 m=51
